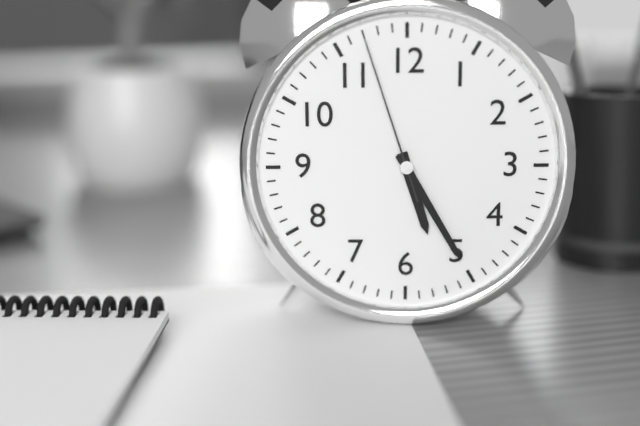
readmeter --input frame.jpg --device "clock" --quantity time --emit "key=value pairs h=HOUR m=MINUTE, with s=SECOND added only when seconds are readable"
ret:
h=5 m=25 s=57
